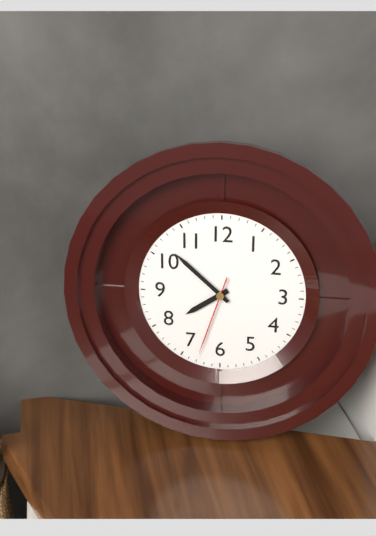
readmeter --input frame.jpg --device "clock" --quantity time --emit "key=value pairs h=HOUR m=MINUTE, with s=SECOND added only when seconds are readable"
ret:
h=7 m=52 s=33
